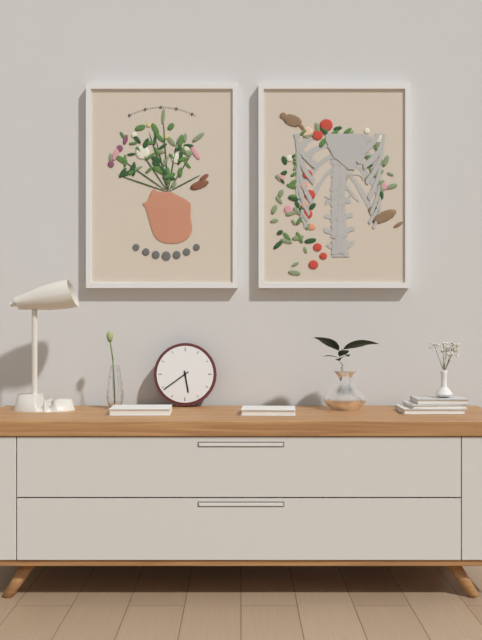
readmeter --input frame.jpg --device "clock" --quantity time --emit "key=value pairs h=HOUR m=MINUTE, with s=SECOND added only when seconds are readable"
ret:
h=5 m=39
